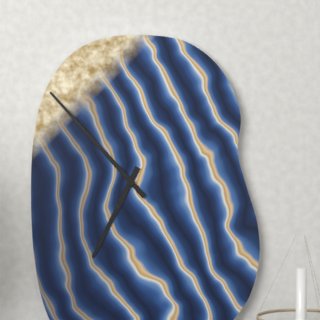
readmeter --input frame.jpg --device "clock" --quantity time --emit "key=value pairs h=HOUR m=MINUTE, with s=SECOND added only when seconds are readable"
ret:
h=6 m=53
